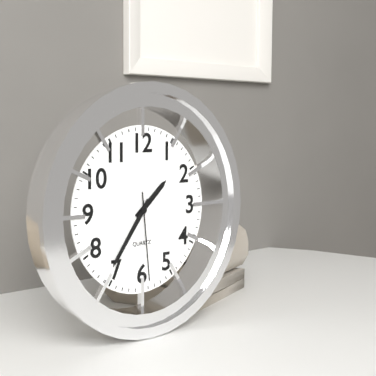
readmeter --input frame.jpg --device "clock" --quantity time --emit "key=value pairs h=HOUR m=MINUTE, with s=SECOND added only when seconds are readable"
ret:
h=1 m=36 s=29
